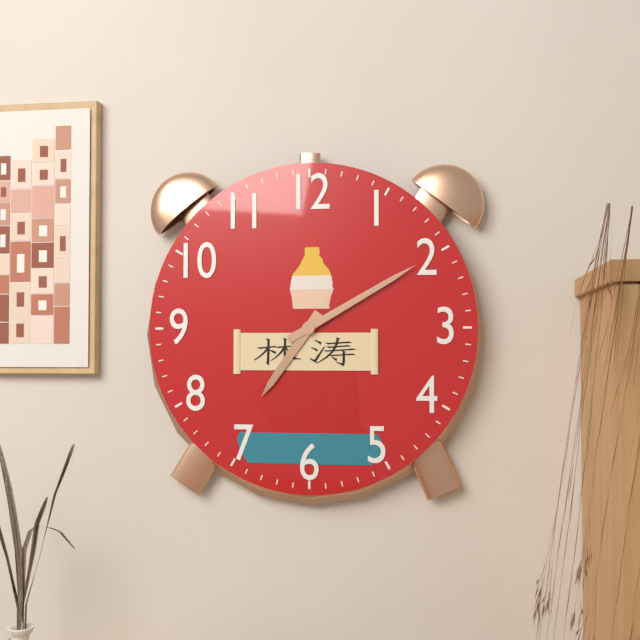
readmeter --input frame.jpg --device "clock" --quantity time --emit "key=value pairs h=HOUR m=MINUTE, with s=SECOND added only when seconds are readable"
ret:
h=7 m=10
